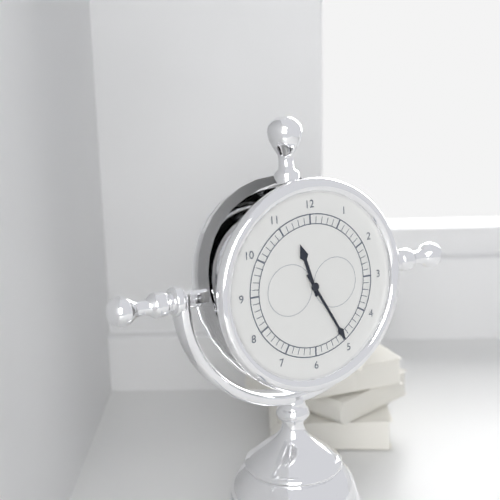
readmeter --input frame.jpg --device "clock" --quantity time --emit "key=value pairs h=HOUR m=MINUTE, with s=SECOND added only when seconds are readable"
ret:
h=11 m=25
